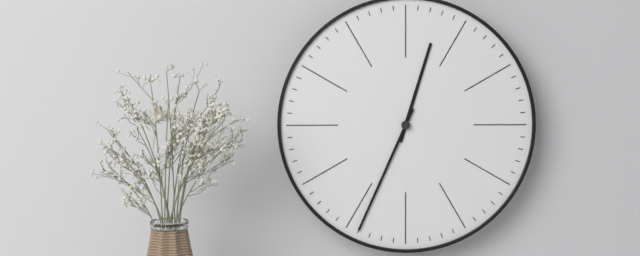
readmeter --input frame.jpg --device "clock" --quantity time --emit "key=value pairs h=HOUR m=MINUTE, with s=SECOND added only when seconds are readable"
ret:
h=12 m=34
